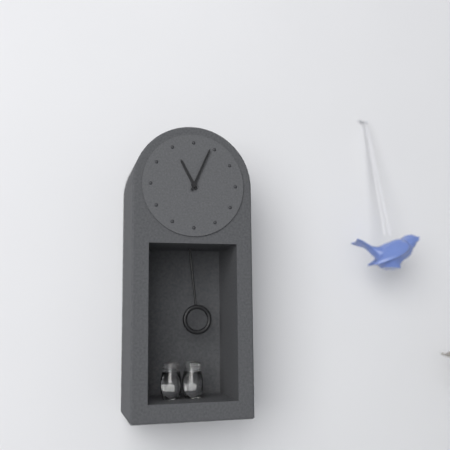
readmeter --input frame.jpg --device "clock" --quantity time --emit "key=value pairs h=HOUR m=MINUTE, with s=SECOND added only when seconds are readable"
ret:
h=11 m=4
